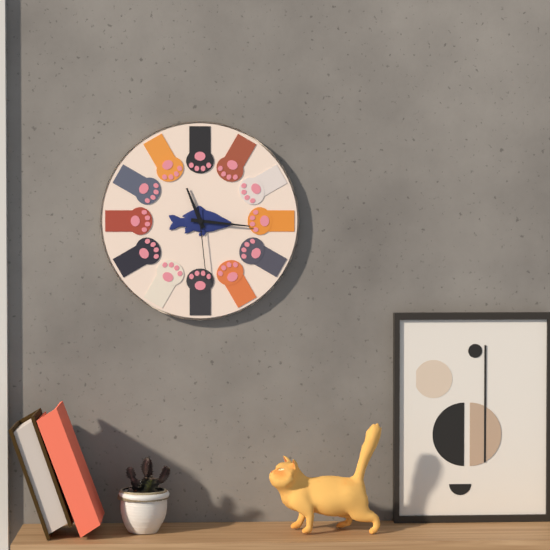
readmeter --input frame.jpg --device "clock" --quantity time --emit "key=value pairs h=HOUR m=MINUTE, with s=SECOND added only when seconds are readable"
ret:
h=11 m=16 s=29
